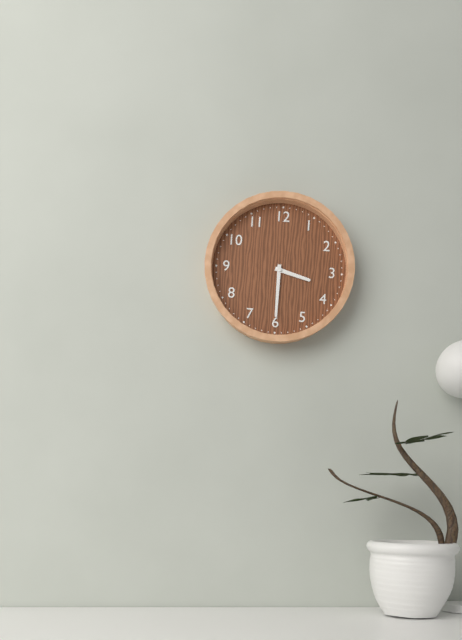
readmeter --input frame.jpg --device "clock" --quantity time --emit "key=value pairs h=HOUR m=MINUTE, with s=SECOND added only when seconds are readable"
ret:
h=3 m=30
